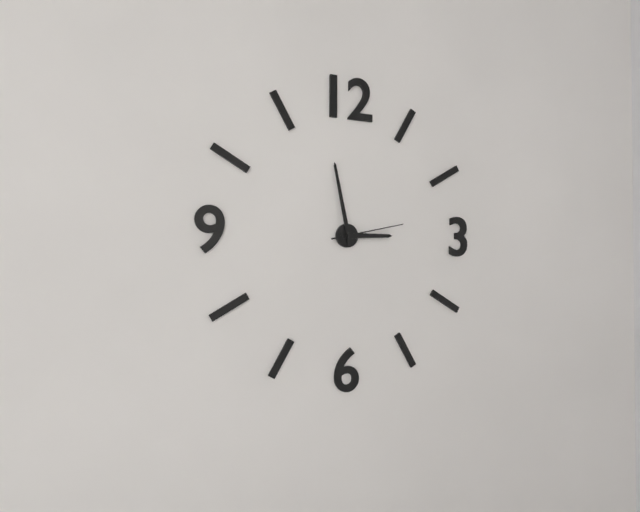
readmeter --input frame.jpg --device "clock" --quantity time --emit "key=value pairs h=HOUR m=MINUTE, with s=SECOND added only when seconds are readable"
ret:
h=2 m=58 s=13
